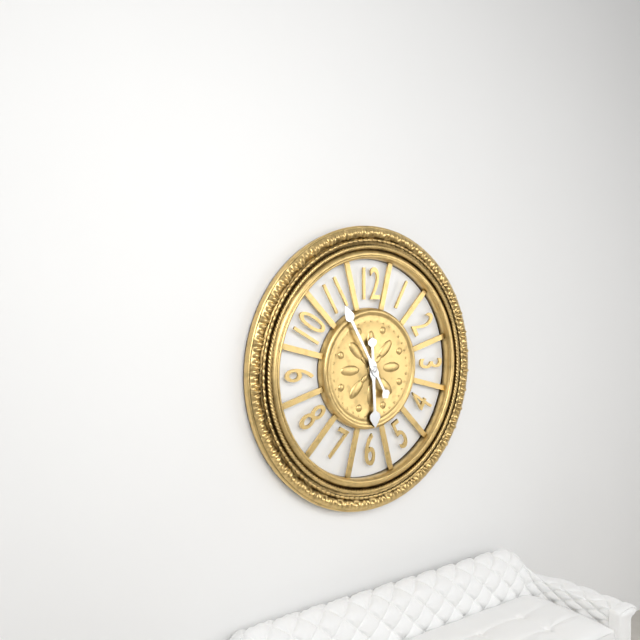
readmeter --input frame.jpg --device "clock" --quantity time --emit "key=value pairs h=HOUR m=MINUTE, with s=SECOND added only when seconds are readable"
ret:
h=5 m=55
